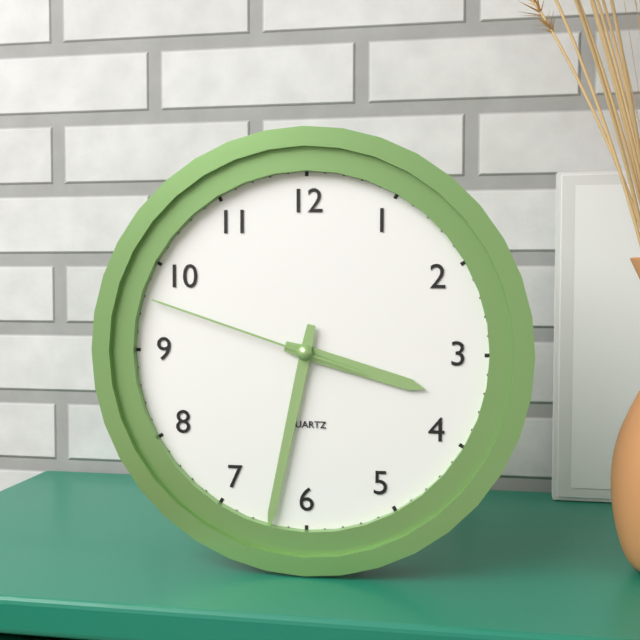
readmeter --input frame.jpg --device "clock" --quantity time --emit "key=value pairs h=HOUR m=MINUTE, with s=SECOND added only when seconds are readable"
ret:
h=3 m=32 s=48
